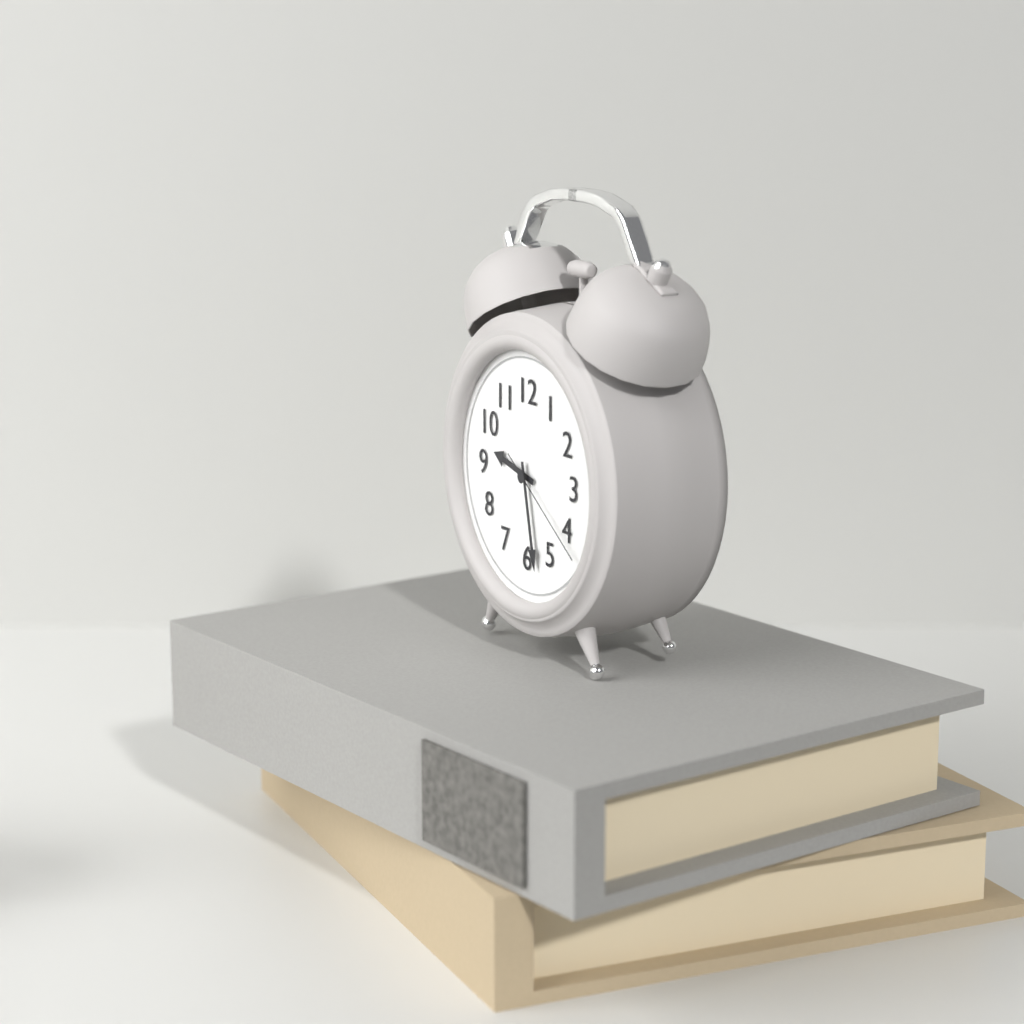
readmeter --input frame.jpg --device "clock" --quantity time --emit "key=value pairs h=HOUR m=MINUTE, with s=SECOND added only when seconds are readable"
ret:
h=9 m=28 s=21
